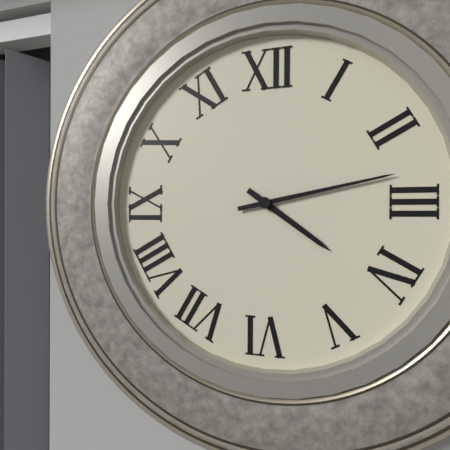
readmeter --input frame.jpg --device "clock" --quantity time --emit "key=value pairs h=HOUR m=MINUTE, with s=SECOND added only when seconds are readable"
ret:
h=4 m=13
